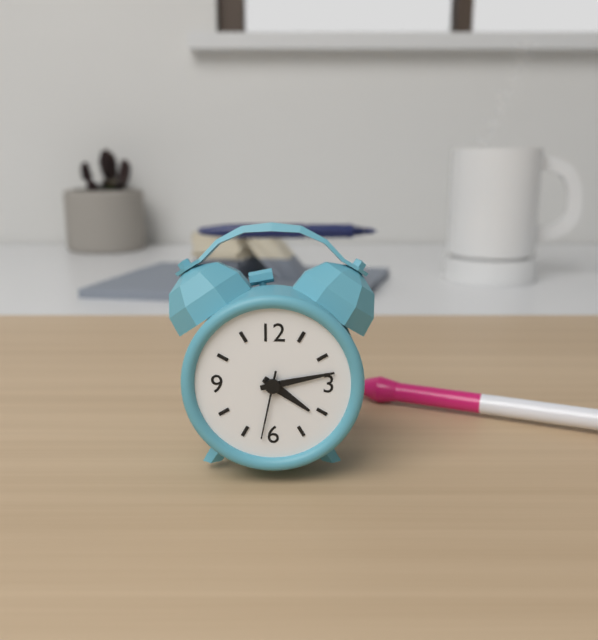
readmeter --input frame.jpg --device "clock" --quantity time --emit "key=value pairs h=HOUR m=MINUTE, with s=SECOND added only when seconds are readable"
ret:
h=4 m=13 s=32
